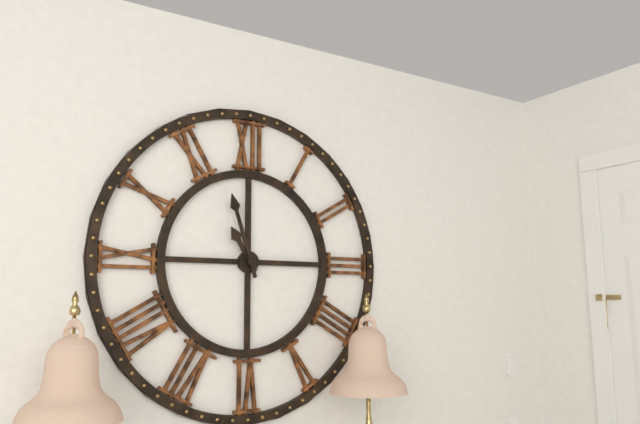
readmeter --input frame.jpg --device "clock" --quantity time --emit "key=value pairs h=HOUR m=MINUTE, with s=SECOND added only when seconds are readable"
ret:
h=10 m=57
